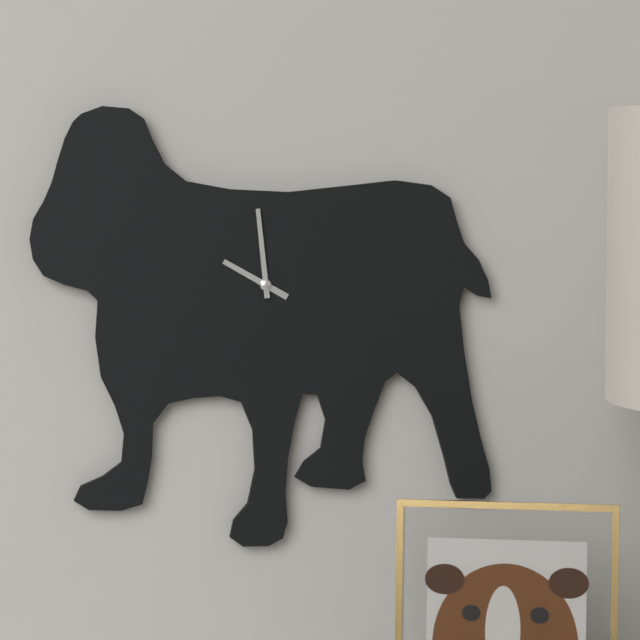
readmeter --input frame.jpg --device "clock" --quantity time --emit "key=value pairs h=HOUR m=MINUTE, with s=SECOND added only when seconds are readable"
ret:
h=9 m=59
